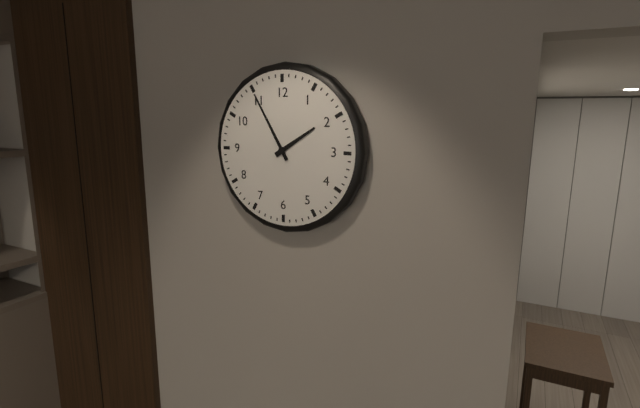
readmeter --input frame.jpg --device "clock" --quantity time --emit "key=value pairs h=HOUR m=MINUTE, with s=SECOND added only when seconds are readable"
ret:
h=1 m=55
